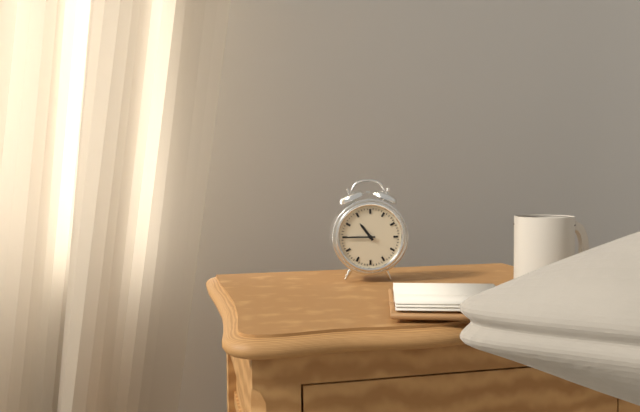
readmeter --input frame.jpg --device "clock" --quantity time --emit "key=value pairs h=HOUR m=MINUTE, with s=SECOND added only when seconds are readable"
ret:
h=10 m=45
